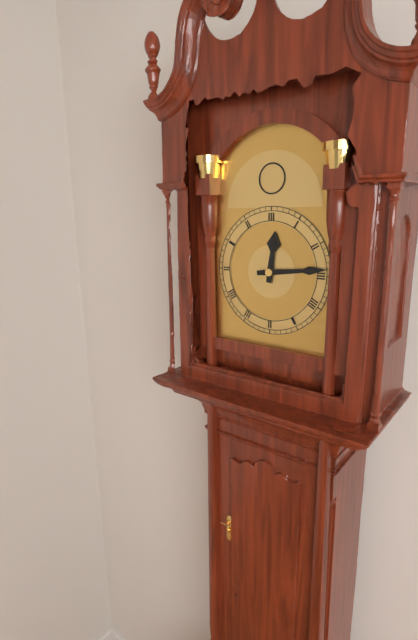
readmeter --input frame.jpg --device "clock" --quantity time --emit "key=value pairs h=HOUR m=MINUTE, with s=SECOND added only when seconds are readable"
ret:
h=12 m=14
